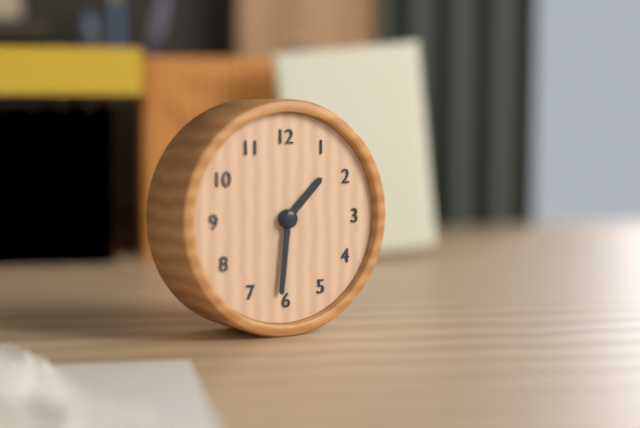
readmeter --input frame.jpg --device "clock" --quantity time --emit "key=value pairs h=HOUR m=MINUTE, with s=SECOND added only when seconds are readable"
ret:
h=1 m=31
